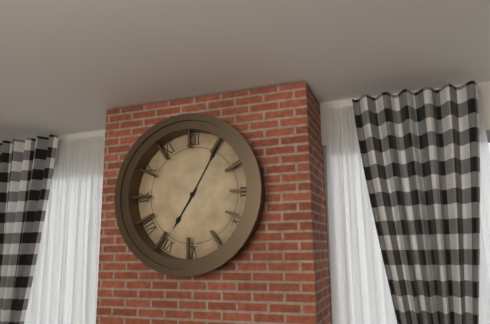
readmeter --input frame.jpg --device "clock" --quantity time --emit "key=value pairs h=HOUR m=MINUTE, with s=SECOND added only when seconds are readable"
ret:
h=7 m=5
